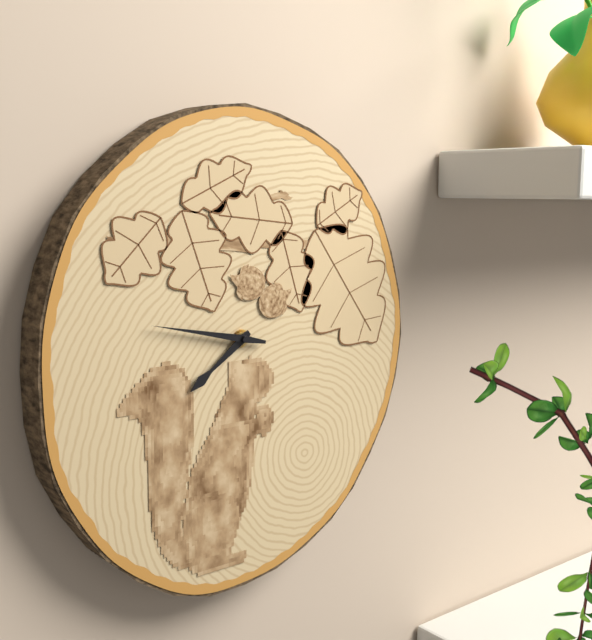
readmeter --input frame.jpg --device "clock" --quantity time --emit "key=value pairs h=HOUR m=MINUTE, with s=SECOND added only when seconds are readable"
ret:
h=7 m=47
